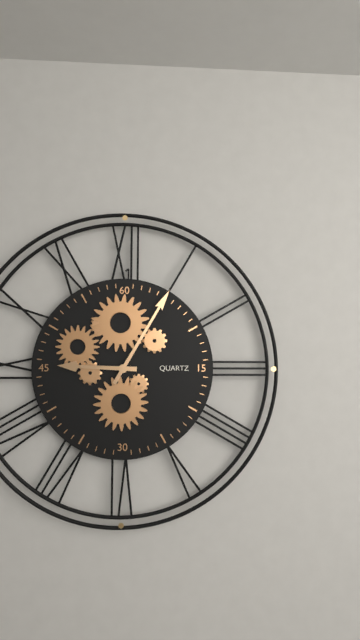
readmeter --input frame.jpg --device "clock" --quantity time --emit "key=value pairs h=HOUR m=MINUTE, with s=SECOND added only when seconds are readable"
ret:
h=9 m=5
